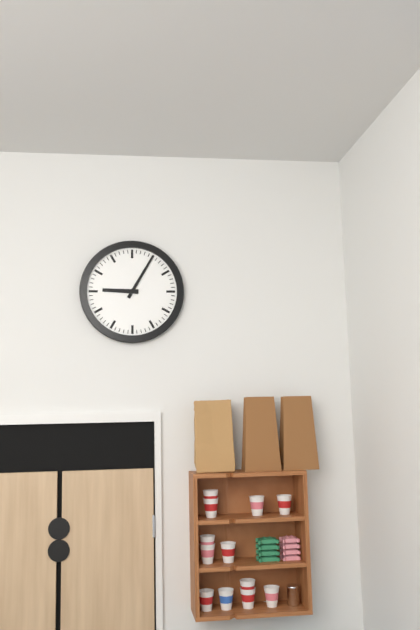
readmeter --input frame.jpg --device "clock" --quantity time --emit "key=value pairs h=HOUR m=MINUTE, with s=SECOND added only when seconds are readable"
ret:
h=9 m=5
